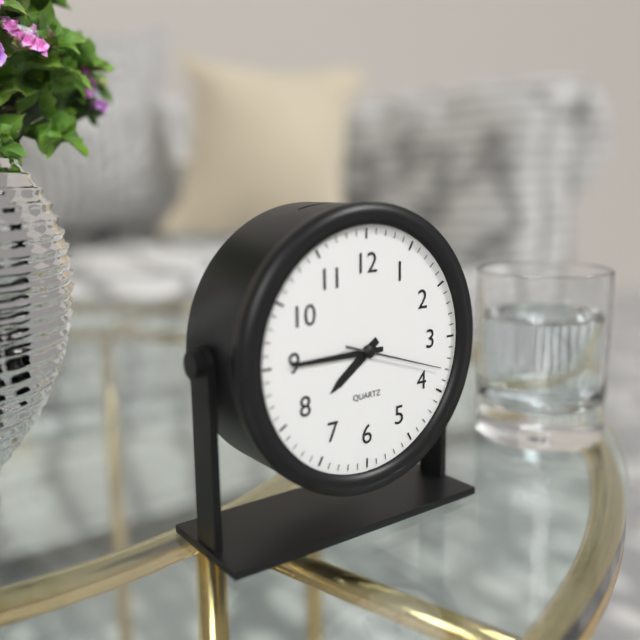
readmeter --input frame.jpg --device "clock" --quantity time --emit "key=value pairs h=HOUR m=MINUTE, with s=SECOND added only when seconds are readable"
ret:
h=7 m=45 s=18
